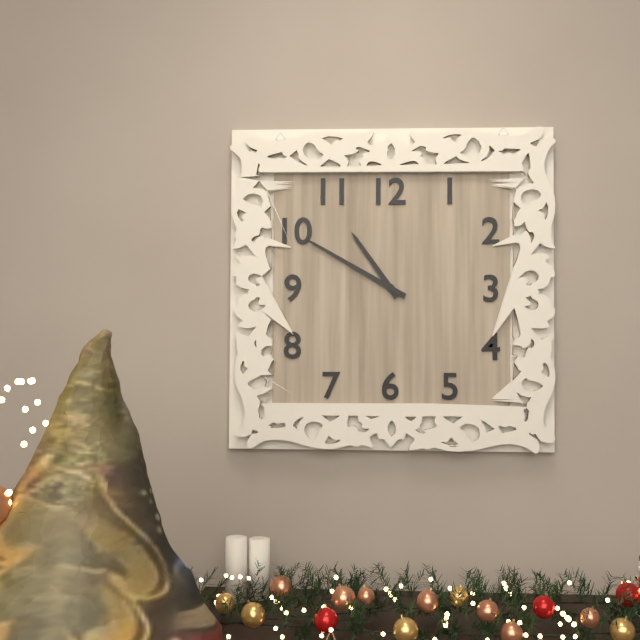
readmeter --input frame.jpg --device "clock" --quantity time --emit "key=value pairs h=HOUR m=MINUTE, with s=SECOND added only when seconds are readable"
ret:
h=10 m=50
